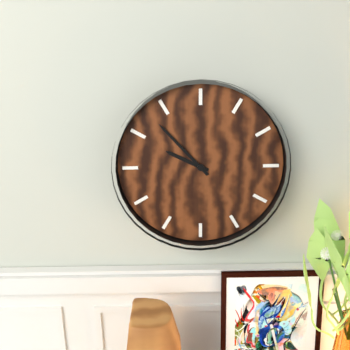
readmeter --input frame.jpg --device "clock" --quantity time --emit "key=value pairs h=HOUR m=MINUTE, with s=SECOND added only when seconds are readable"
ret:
h=9 m=53
